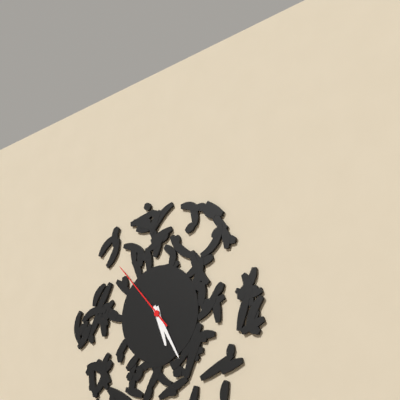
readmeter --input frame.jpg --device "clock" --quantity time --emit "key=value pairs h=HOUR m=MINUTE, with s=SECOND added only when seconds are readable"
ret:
h=5 m=25 s=53
